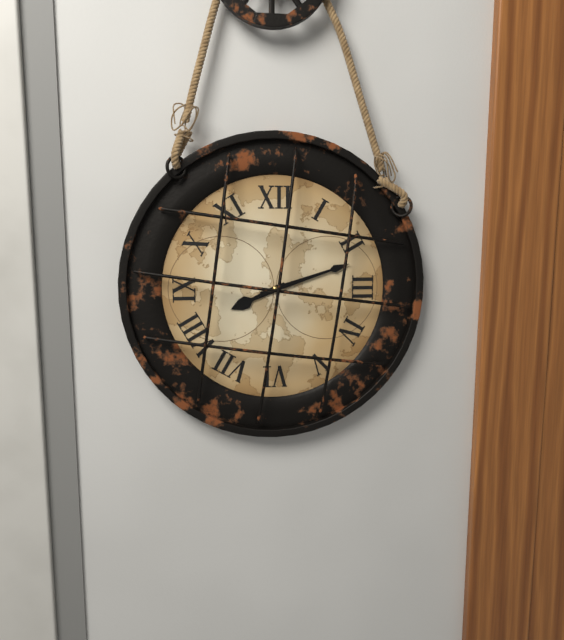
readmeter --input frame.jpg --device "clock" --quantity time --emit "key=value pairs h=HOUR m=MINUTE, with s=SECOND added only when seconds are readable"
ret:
h=8 m=12
